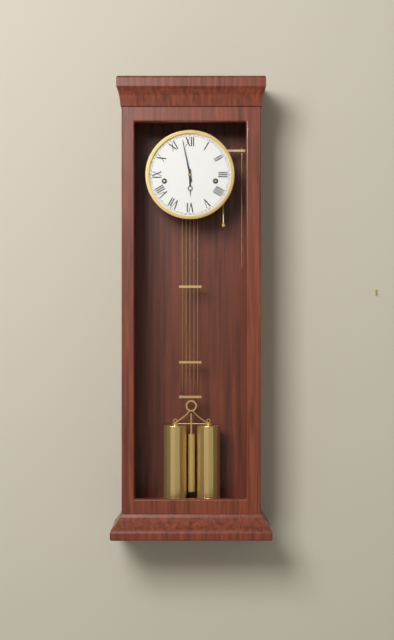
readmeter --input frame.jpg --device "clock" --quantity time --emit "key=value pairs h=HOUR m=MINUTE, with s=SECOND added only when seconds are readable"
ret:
h=5 m=58
